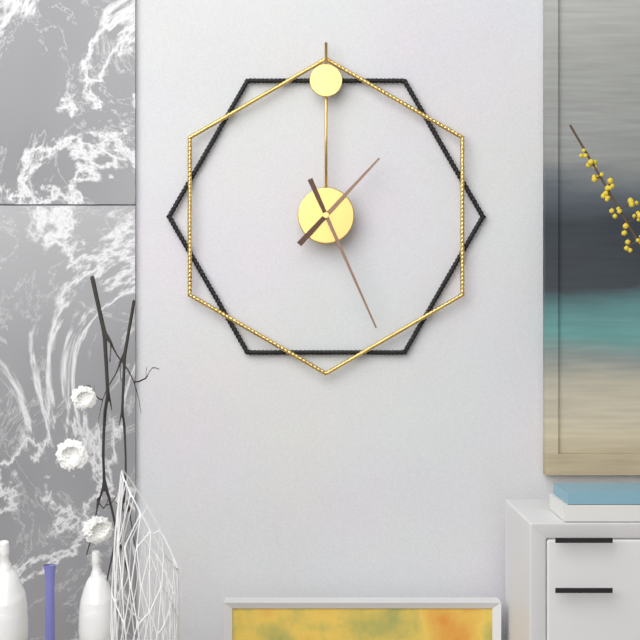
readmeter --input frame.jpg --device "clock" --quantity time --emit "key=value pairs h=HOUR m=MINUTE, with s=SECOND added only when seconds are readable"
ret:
h=1 m=26
